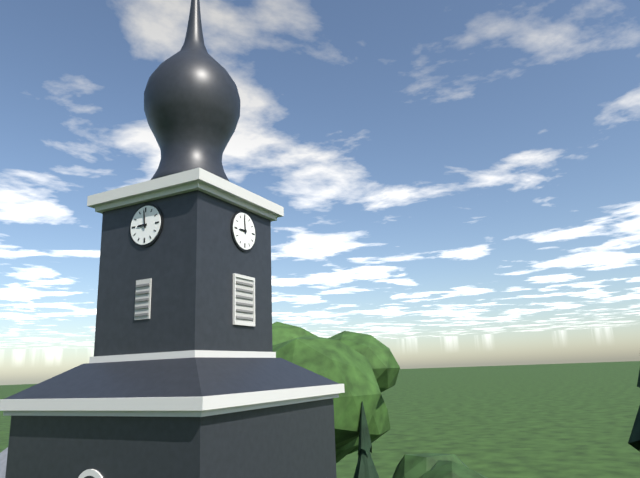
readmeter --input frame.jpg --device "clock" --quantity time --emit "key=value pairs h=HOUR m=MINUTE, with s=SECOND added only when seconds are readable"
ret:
h=8 m=59
